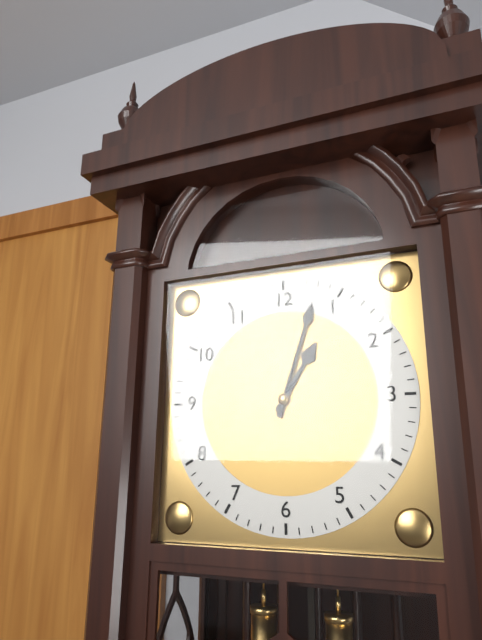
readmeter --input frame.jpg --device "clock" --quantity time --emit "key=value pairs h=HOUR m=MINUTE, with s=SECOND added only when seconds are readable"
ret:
h=1 m=3
